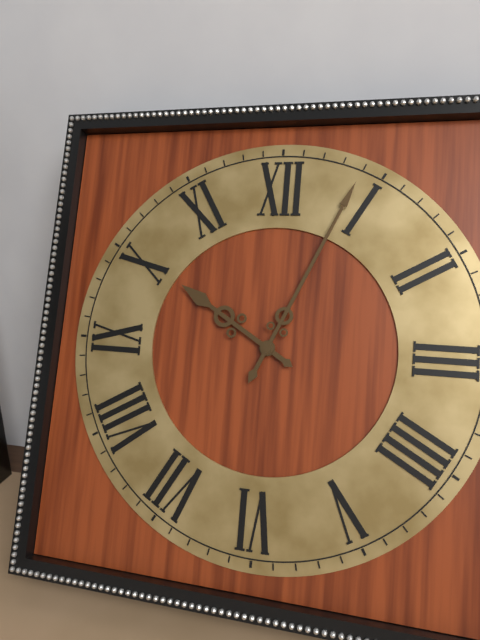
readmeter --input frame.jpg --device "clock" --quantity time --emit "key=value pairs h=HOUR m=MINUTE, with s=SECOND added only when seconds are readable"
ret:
h=10 m=4
